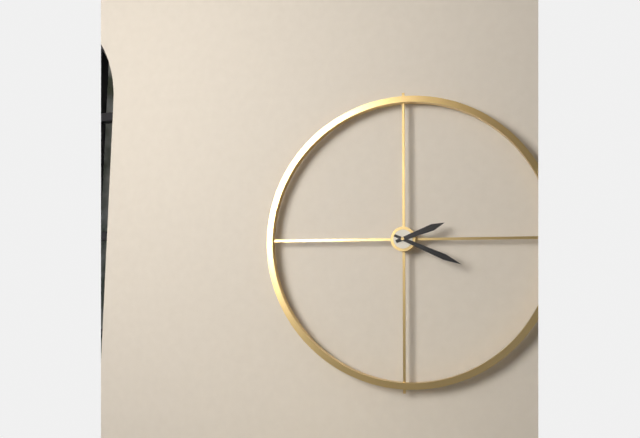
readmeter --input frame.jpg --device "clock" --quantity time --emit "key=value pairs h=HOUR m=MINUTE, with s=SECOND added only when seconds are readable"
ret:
h=2 m=19
